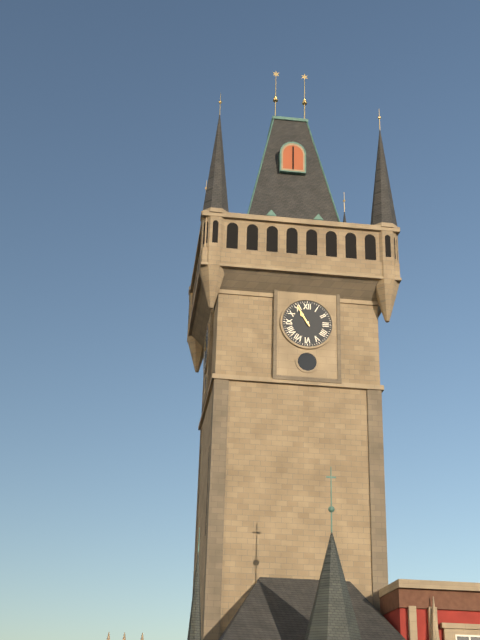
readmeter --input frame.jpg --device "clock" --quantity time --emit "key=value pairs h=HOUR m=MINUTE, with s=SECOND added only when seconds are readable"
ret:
h=10 m=55
